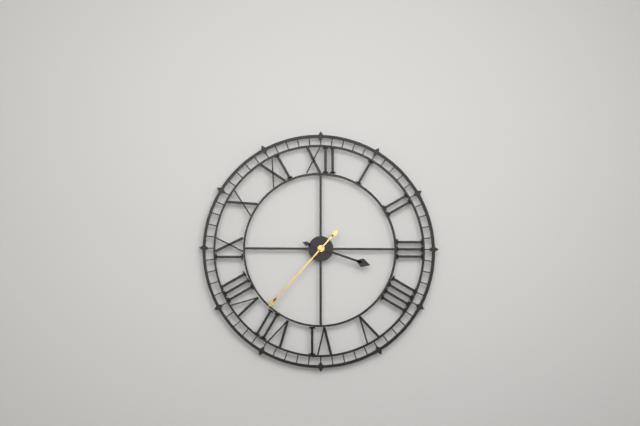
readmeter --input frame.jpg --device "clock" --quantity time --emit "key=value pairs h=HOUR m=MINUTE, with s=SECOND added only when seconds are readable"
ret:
h=3 m=37
